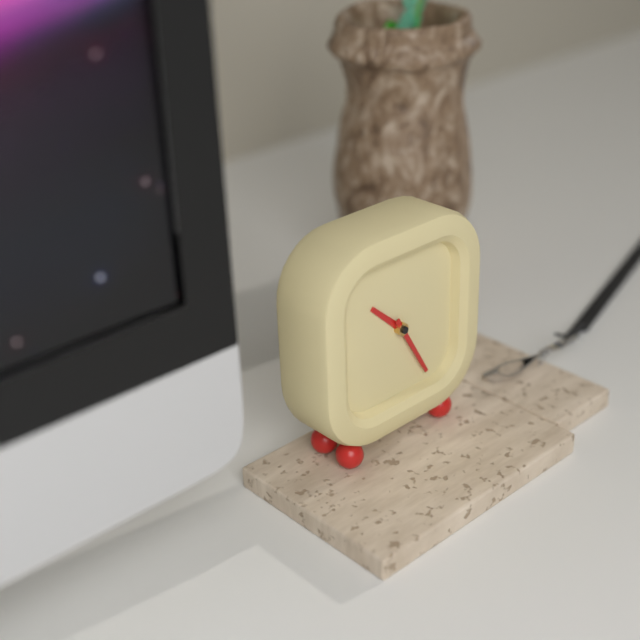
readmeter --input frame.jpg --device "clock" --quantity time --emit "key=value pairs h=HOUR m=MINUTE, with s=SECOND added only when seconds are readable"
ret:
h=10 m=25
